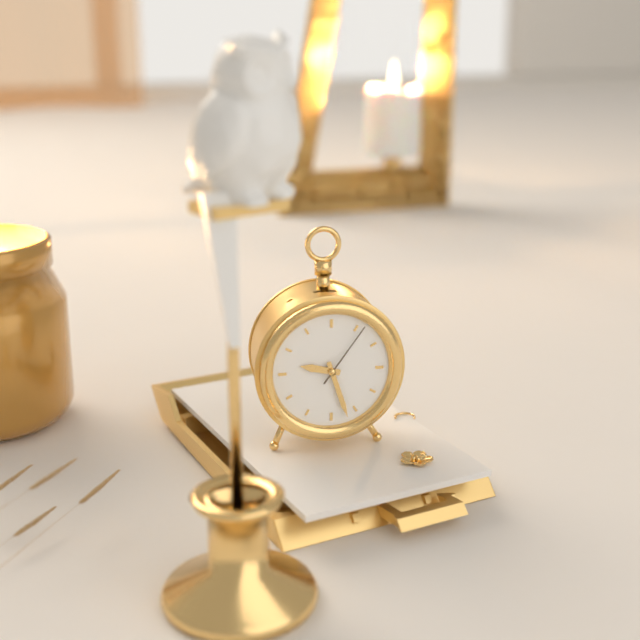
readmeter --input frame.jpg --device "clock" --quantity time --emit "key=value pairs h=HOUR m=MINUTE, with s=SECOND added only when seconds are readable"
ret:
h=9 m=27 s=6
